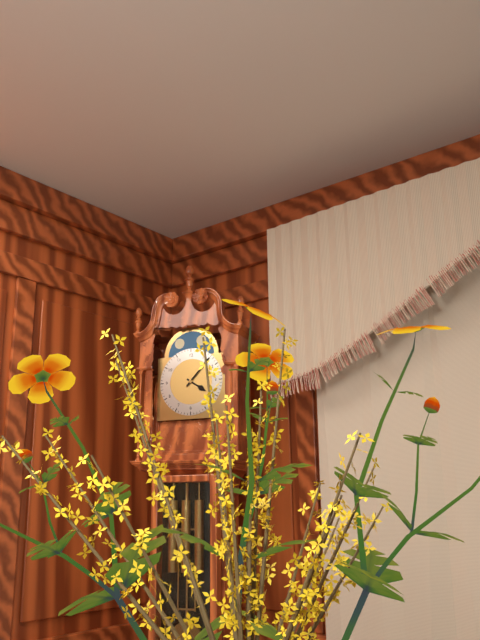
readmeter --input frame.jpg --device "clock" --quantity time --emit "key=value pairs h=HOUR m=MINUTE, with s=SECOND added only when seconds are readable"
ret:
h=4 m=7
